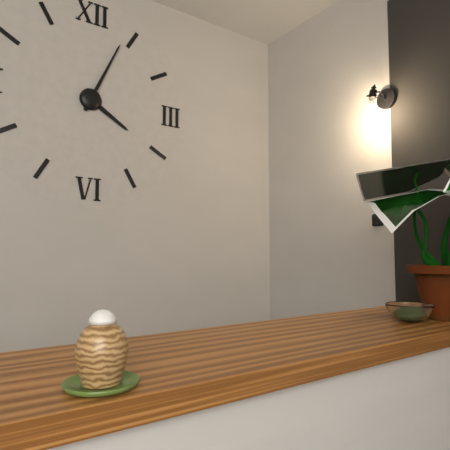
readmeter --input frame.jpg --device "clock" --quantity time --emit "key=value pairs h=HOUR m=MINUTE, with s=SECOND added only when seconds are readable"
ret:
h=4 m=4
